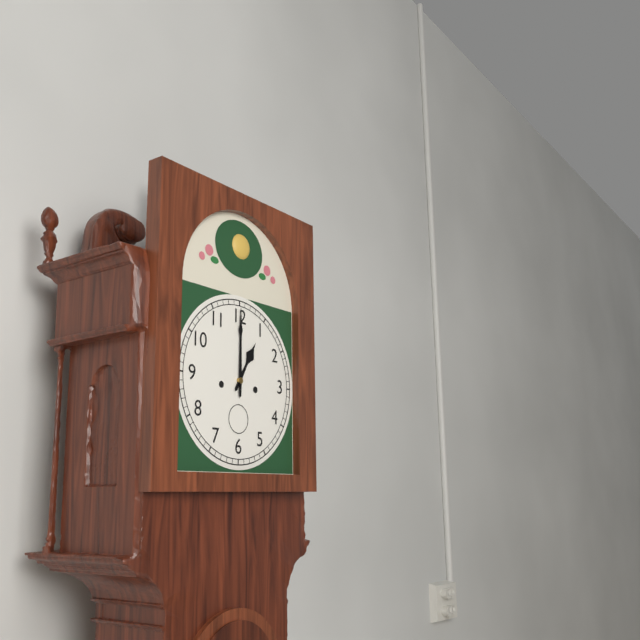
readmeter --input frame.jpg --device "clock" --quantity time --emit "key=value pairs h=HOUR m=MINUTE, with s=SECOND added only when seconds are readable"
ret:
h=1 m=0
